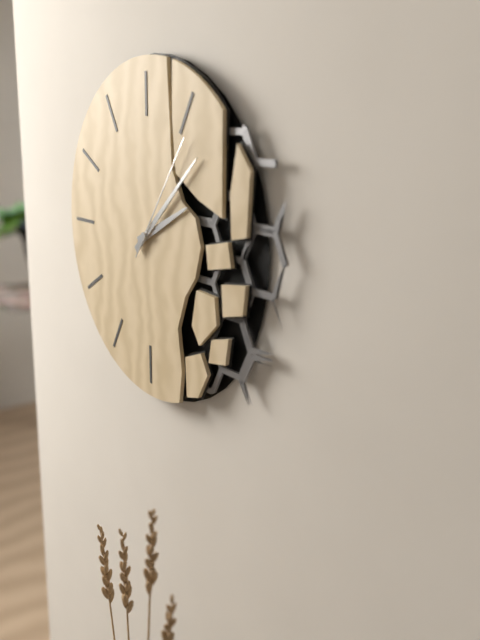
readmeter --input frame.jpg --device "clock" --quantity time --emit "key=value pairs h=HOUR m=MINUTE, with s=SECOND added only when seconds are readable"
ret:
h=2 m=8 s=6
